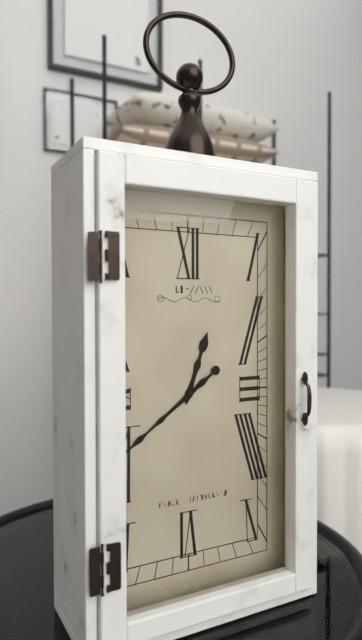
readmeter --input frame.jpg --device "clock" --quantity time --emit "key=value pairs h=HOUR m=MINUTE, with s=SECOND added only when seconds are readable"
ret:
h=12 m=39
